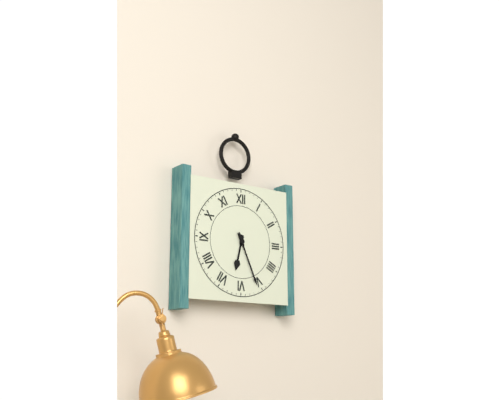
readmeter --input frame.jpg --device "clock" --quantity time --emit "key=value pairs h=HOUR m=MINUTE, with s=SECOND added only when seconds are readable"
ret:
h=6 m=26
